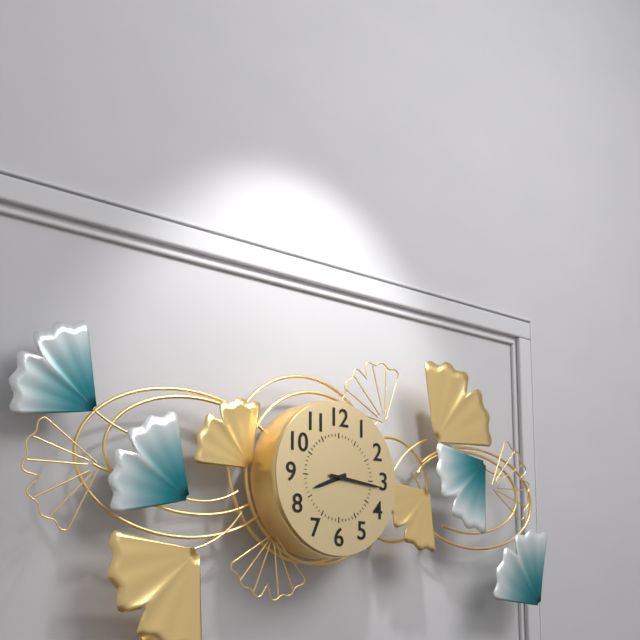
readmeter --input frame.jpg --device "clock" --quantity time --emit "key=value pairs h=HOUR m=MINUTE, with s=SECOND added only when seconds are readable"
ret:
h=8 m=16
